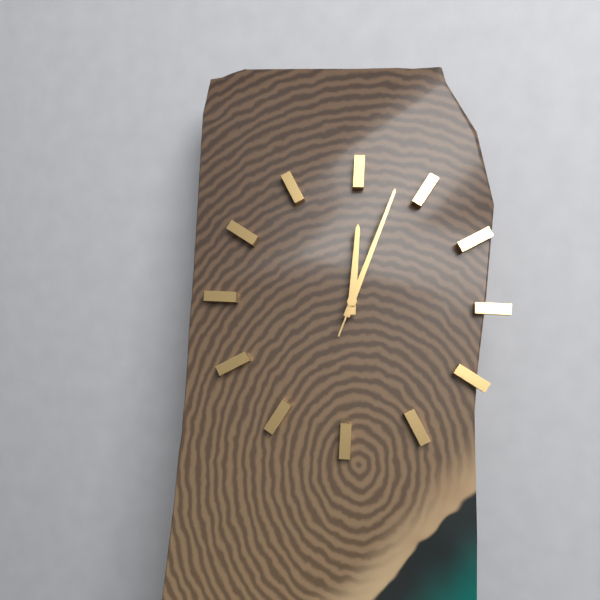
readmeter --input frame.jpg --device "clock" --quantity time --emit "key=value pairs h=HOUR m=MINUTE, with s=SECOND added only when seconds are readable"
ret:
h=12 m=3 s=3
